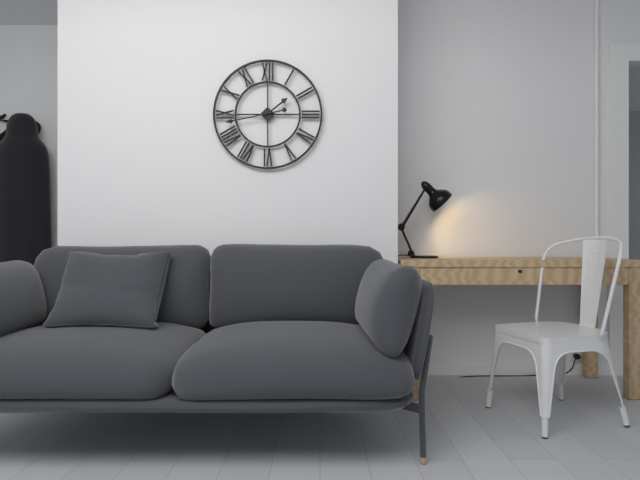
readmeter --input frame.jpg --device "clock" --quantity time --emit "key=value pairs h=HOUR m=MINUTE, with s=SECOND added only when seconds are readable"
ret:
h=1 m=43
